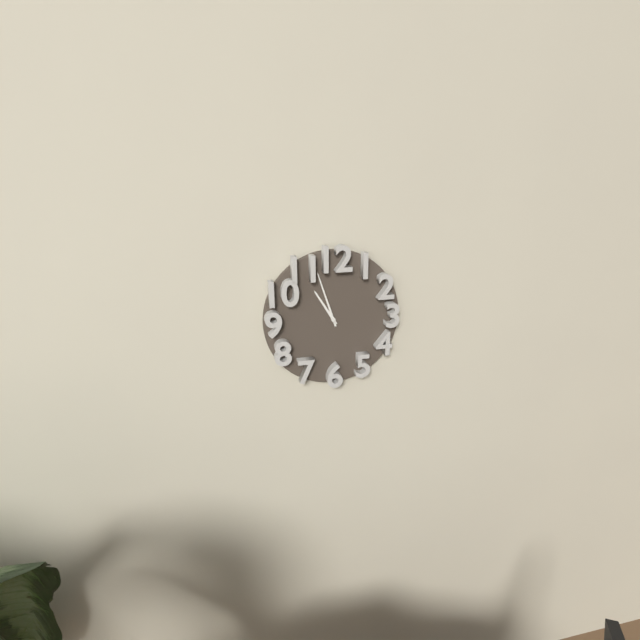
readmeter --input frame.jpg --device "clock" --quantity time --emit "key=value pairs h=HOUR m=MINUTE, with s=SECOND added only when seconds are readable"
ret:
h=10 m=57
